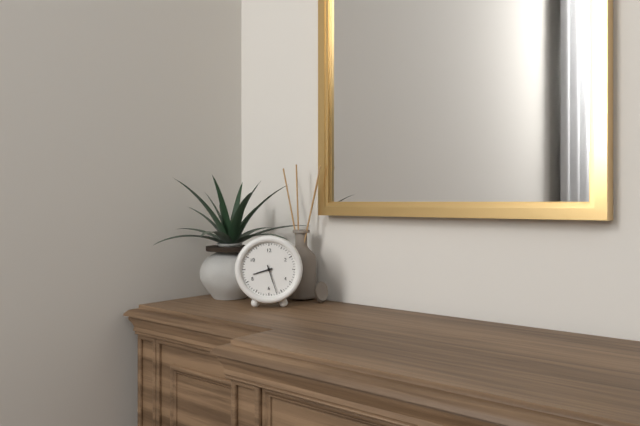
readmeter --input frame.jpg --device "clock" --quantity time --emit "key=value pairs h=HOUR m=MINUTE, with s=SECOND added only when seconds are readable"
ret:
h=8 m=27
